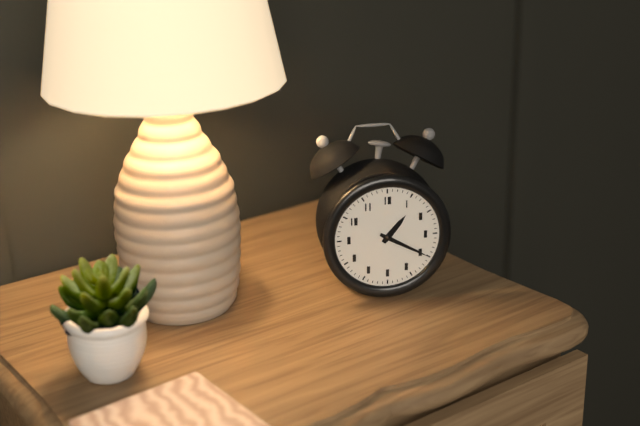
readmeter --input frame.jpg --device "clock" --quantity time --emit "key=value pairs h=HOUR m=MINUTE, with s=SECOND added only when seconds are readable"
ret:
h=1 m=20
